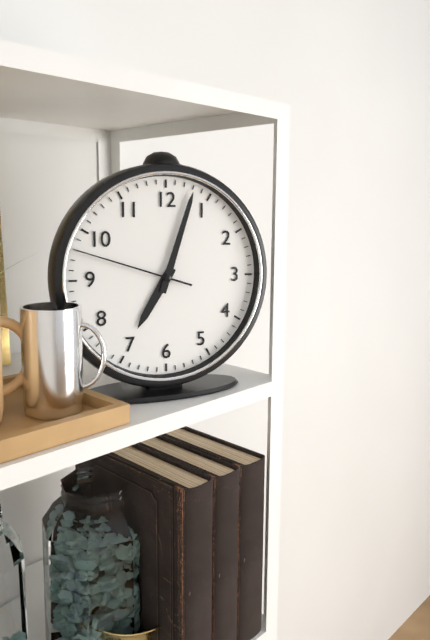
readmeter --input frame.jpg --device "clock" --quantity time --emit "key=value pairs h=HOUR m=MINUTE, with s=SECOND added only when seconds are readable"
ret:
h=7 m=3 s=48
